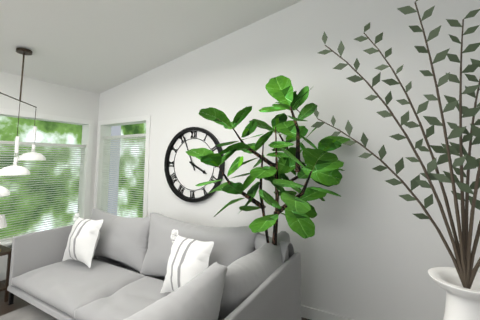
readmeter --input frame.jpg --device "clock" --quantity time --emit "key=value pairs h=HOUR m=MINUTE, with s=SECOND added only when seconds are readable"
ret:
h=3 m=56
